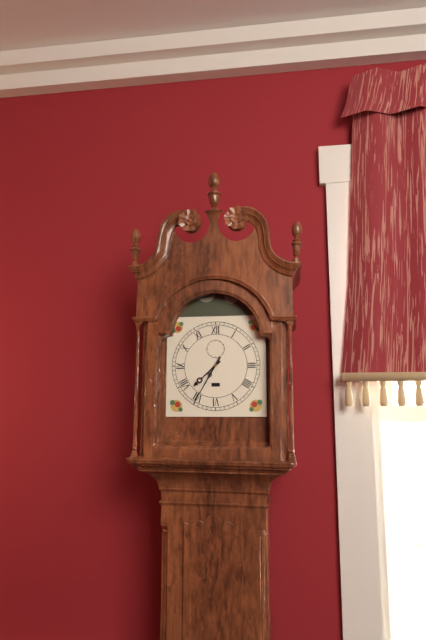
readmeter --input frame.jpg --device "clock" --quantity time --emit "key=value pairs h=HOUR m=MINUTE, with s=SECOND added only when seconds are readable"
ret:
h=7 m=35
